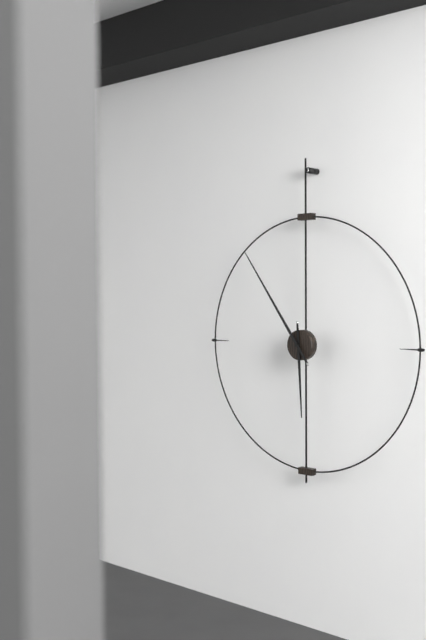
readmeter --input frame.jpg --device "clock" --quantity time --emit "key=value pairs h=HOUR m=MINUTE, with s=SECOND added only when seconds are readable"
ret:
h=5 m=54
